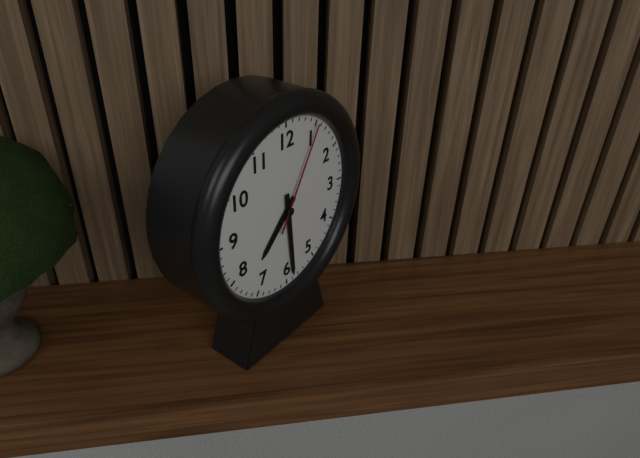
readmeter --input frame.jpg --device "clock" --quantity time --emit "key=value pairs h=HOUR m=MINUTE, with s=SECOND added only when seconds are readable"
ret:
h=7 m=29 s=5
